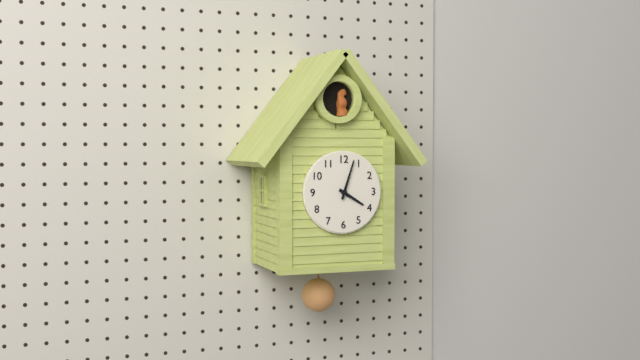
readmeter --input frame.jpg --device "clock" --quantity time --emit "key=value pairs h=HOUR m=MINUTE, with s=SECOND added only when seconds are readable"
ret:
h=4 m=3
